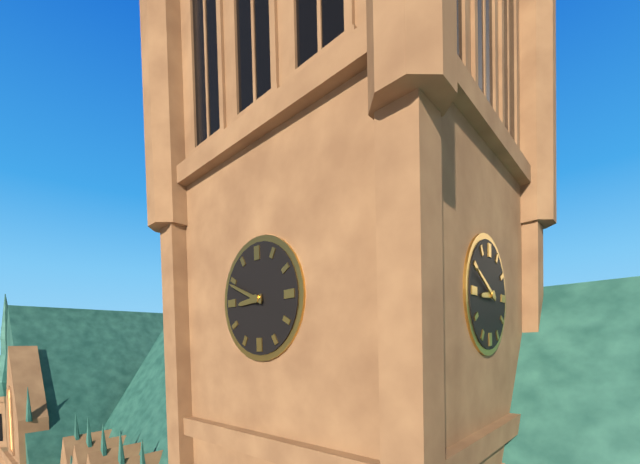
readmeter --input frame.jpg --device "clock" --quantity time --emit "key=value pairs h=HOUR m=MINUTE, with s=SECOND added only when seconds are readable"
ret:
h=8 m=49
